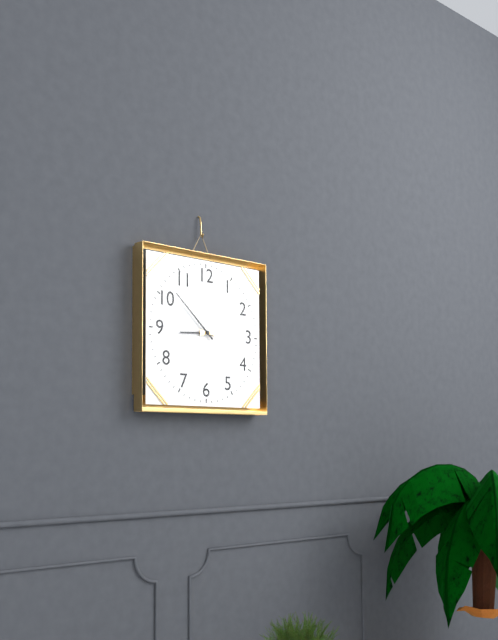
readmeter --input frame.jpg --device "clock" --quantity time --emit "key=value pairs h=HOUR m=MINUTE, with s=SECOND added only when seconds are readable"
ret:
h=8 m=52
